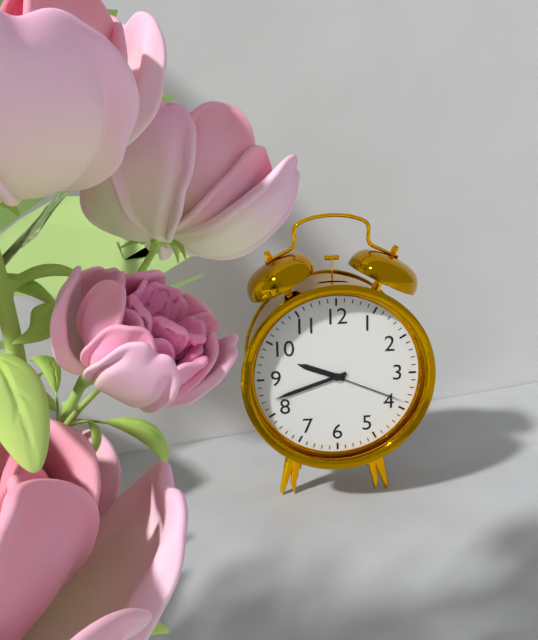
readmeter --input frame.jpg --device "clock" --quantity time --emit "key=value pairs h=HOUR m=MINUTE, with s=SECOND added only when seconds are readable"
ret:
h=9 m=42 s=19
